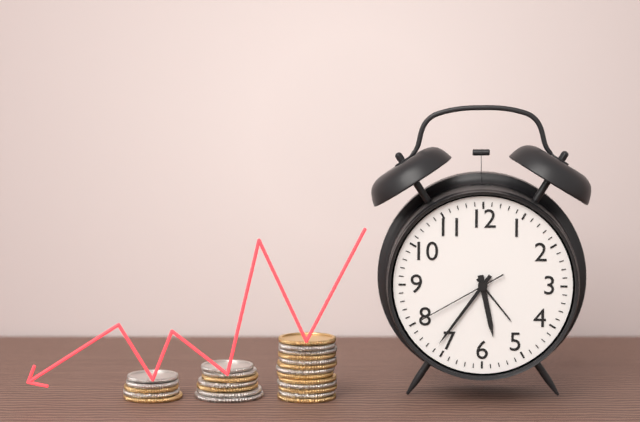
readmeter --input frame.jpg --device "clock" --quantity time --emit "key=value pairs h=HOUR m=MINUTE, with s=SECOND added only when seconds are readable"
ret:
h=5 m=36 s=40
